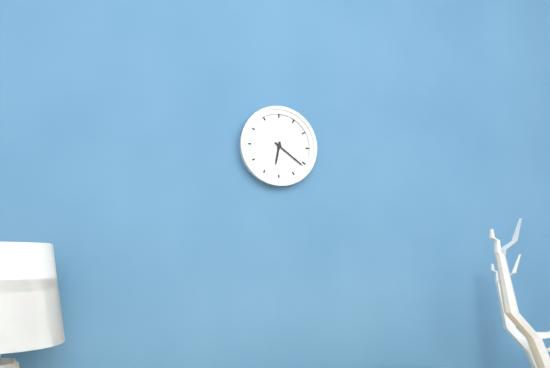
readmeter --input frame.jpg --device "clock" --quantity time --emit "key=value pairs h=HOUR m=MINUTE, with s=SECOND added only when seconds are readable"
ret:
h=6 m=21
